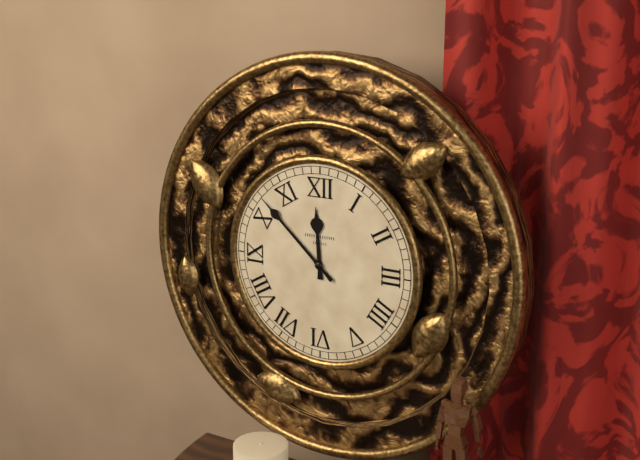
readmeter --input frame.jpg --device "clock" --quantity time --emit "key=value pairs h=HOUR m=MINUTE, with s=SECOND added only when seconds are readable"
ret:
h=11 m=52
